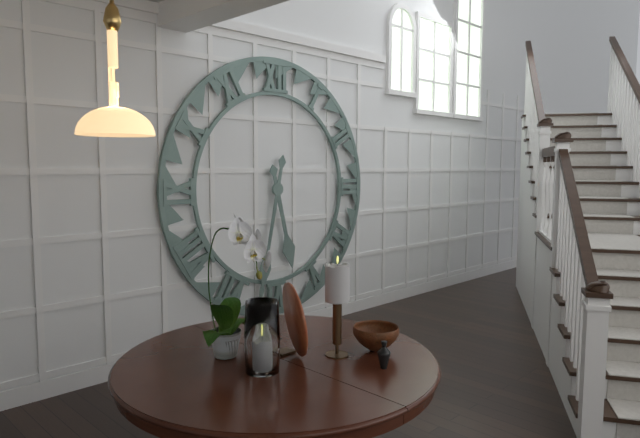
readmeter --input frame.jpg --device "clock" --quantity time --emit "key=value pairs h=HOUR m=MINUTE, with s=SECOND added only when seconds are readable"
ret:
h=5 m=32
